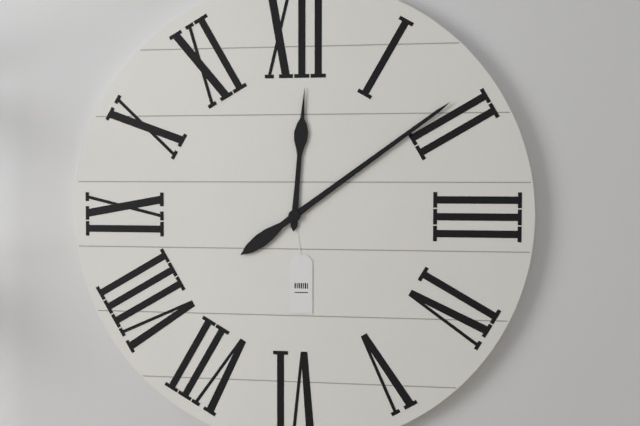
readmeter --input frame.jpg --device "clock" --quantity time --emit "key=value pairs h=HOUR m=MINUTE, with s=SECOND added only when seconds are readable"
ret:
h=12 m=9
